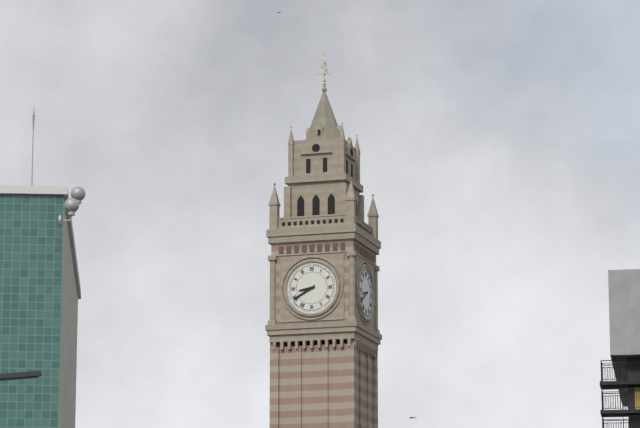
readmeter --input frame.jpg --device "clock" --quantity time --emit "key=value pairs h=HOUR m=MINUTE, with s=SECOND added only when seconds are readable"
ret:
h=8 m=40
